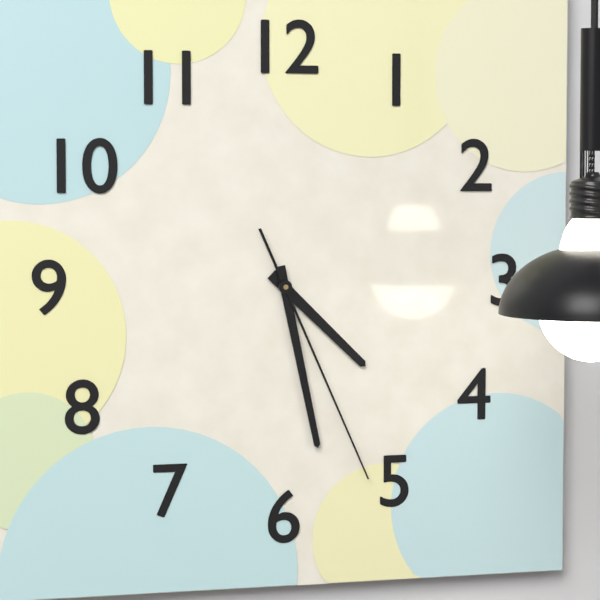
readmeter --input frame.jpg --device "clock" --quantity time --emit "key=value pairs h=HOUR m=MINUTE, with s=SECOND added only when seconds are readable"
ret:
h=4 m=28 s=26
